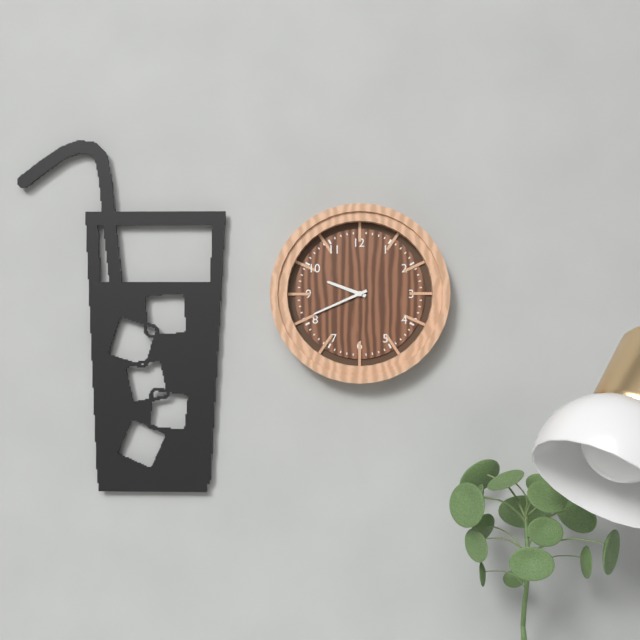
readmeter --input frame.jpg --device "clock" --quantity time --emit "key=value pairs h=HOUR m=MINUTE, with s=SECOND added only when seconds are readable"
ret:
h=9 m=41
